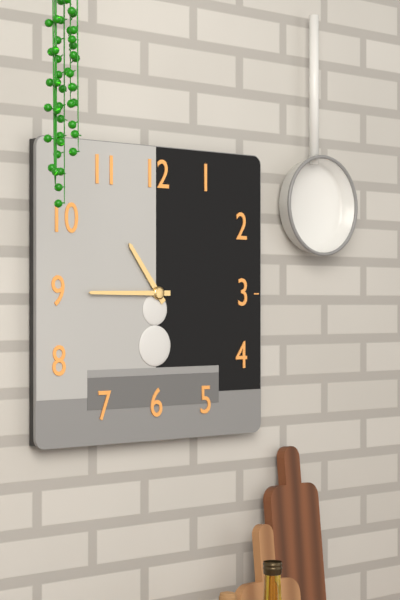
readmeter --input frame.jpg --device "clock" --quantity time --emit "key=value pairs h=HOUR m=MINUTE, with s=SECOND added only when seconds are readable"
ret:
h=10 m=45
